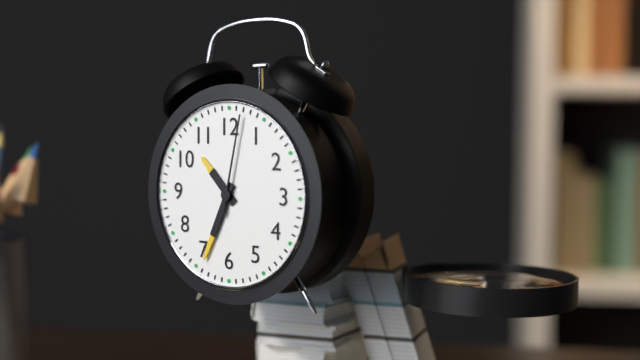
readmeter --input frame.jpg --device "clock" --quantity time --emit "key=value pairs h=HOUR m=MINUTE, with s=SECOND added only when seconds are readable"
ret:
h=10 m=34 s=2
